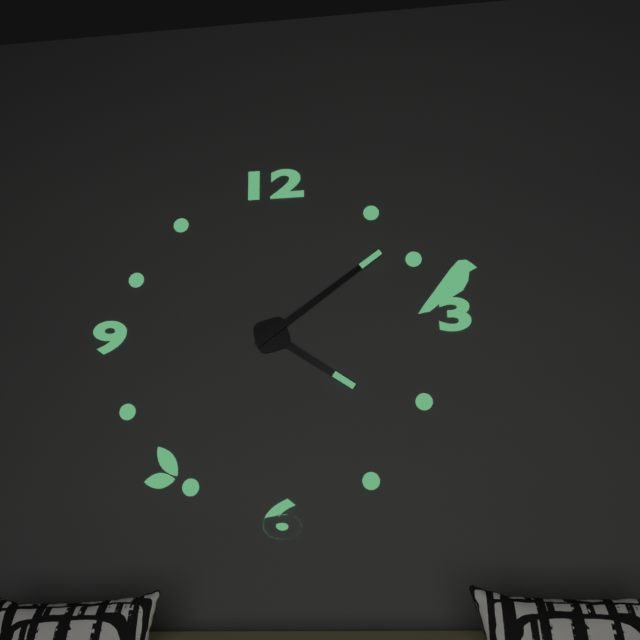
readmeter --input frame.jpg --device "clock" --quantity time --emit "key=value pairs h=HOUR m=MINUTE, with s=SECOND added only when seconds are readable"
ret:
h=4 m=9
